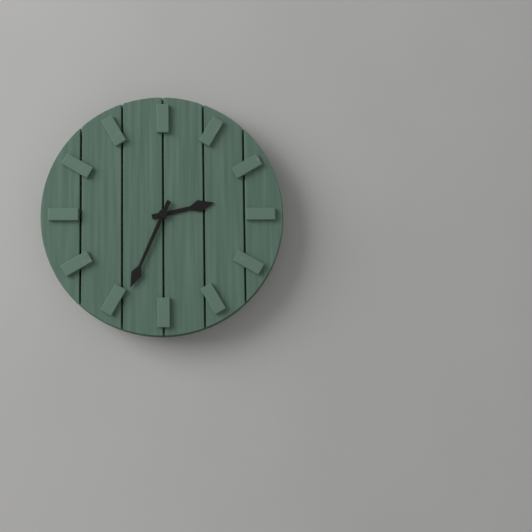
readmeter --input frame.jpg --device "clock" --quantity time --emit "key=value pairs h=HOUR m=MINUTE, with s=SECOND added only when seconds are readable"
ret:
h=2 m=34
